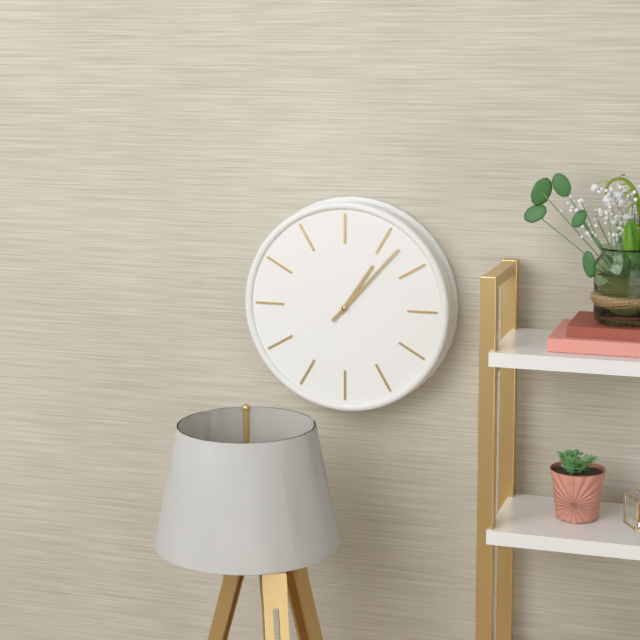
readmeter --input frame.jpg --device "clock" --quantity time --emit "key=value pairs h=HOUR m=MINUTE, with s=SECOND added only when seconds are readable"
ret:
h=1 m=7
